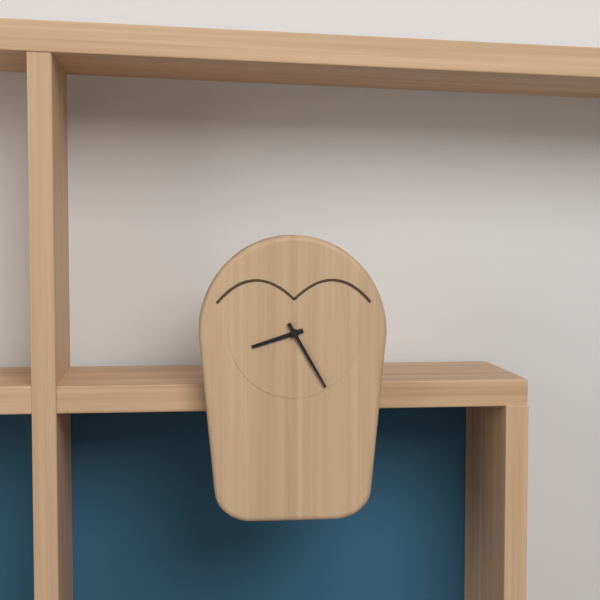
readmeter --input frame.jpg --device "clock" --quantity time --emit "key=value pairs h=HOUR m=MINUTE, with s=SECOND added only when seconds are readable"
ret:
h=8 m=25
